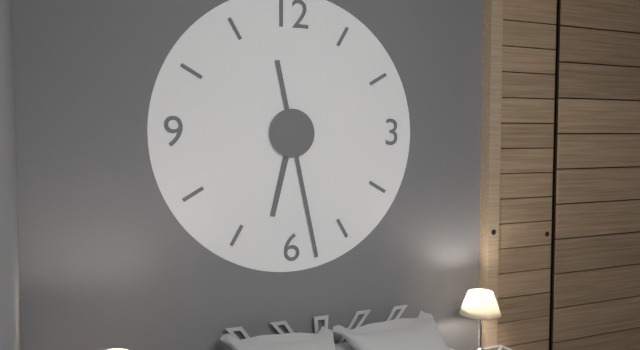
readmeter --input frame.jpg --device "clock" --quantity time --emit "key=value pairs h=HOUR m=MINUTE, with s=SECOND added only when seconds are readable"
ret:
h=6 m=28
